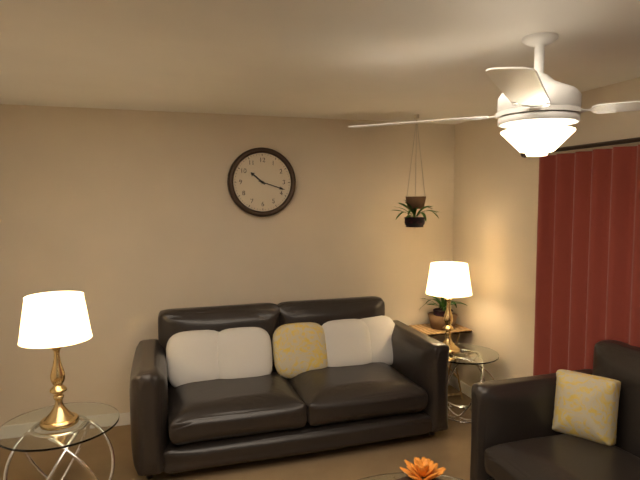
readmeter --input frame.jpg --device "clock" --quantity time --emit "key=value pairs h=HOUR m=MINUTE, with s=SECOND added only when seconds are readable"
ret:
h=10 m=18
